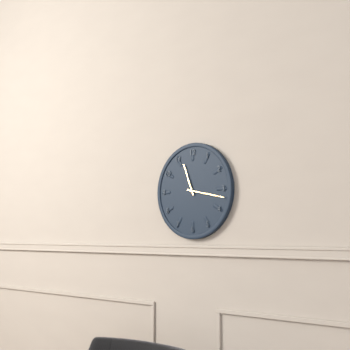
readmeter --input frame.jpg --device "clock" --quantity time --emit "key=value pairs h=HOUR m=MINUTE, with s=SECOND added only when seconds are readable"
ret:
h=11 m=17
